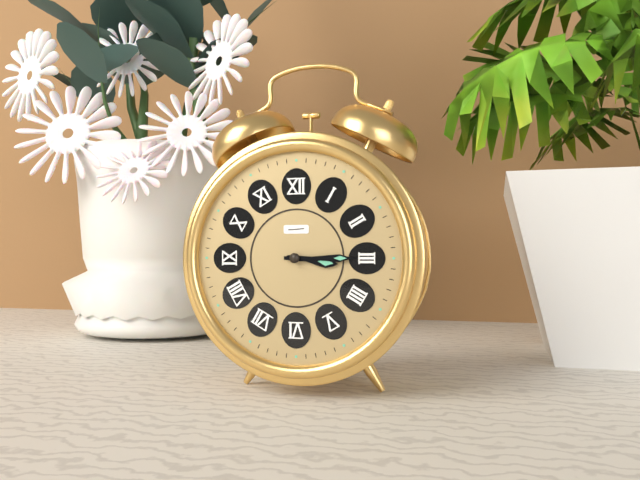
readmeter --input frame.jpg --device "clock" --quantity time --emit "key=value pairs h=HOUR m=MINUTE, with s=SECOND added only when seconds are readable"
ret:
h=3 m=15
